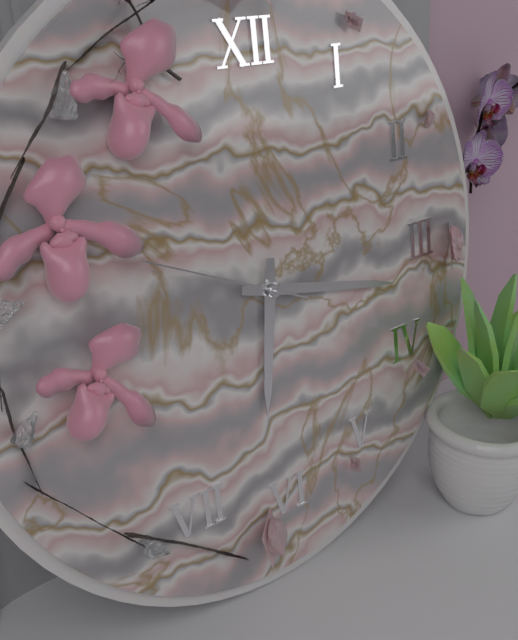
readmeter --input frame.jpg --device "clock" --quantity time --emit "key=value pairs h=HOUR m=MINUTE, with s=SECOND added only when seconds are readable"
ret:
h=6 m=17 s=49
